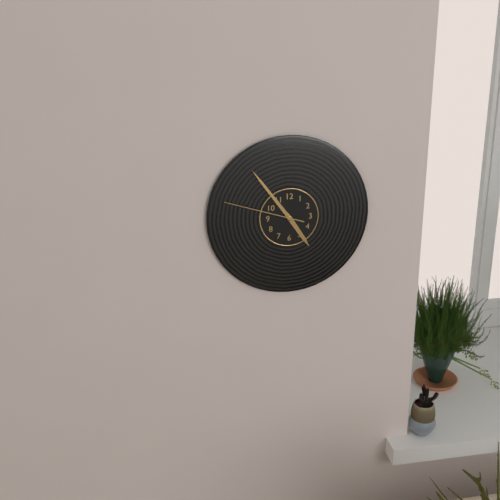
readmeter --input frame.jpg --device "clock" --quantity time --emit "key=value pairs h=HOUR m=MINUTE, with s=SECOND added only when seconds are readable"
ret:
h=4 m=54 s=48
